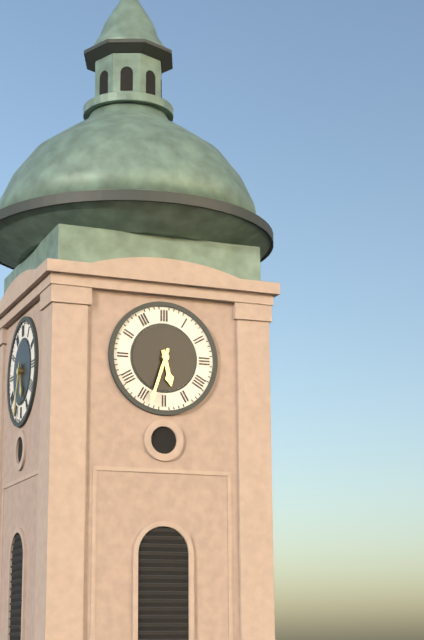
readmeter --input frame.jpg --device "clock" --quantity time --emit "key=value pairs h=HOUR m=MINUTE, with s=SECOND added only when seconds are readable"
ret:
h=5 m=33
